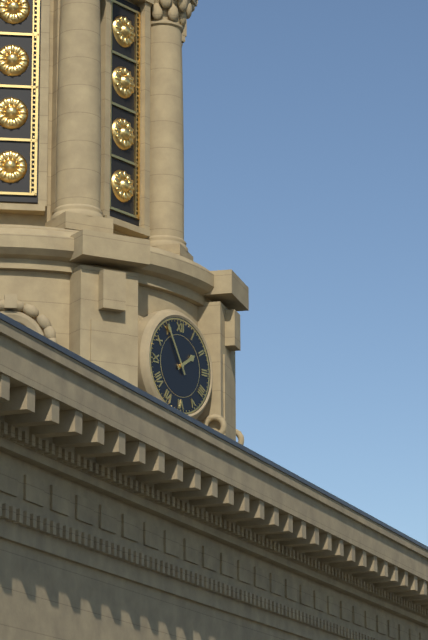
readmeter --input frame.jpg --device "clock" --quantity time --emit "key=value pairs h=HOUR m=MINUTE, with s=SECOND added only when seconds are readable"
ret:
h=1 m=55
